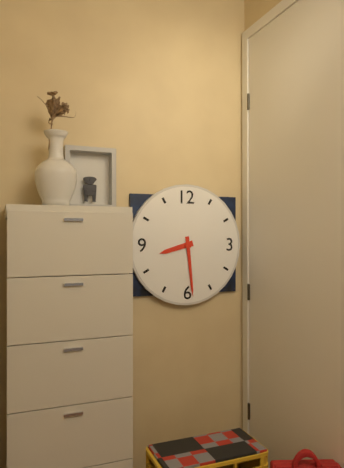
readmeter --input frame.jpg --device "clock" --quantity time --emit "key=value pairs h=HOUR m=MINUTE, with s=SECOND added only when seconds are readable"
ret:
h=8 m=29
